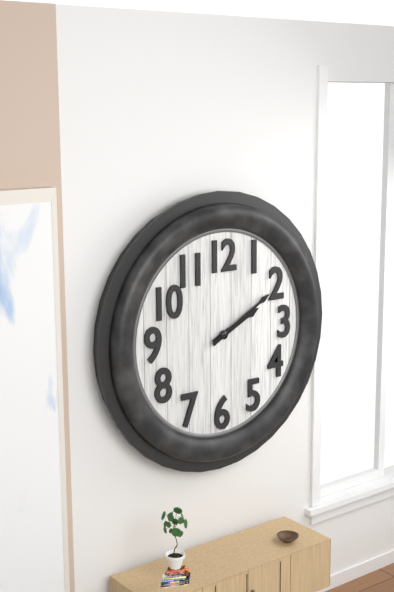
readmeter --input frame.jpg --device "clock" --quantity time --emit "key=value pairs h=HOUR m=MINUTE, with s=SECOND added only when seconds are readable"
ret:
h=2 m=10
